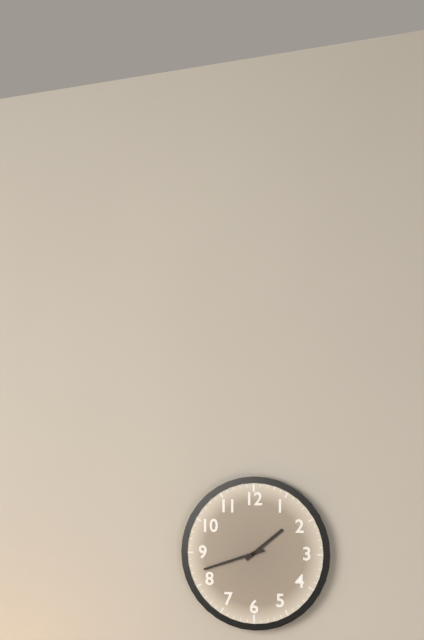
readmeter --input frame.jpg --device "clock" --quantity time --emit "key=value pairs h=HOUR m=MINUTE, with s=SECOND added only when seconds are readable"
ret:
h=1 m=42
